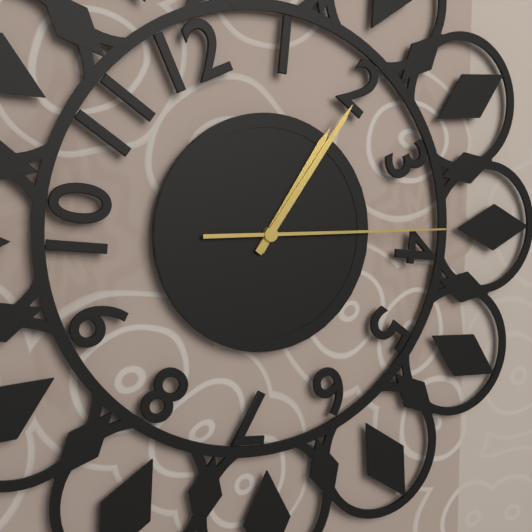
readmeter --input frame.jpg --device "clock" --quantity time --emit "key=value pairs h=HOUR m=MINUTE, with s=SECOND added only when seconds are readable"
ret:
h=1 m=6 s=15
